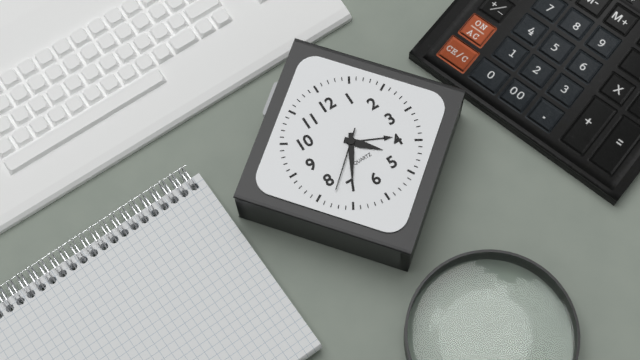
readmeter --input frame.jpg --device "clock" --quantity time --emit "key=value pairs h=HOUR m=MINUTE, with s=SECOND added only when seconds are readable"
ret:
h=4 m=35 s=38
